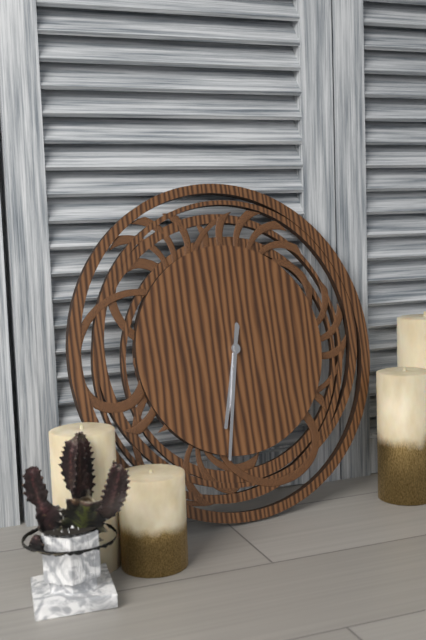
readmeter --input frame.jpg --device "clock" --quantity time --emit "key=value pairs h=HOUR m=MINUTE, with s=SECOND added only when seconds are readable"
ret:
h=6 m=32
